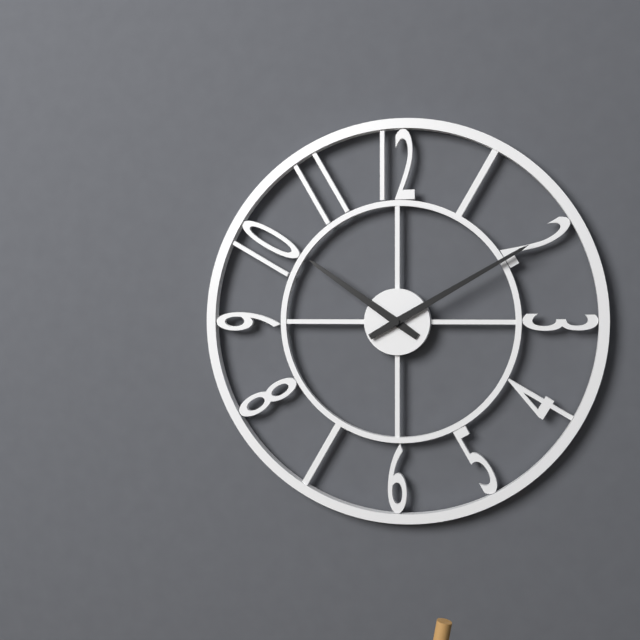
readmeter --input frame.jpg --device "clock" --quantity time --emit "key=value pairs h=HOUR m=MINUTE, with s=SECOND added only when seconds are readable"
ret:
h=10 m=10
